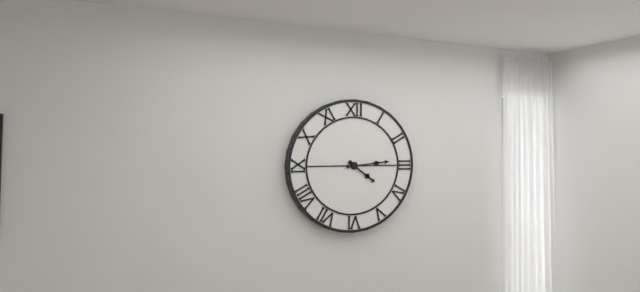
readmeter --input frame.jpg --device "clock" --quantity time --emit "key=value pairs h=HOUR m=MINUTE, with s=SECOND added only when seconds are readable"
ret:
h=4 m=14
